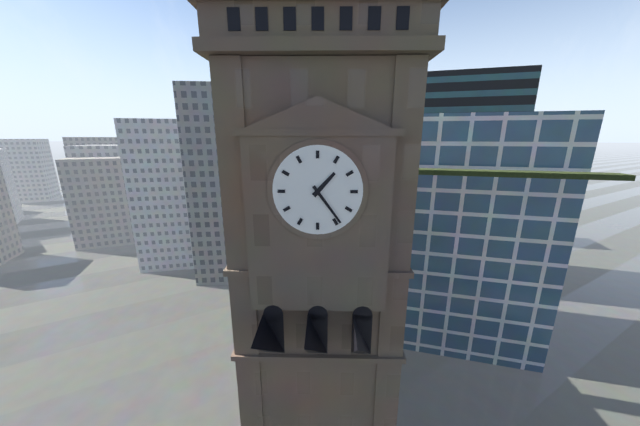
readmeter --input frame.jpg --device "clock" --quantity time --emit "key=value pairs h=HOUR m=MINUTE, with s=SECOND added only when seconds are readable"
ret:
h=1 m=24
